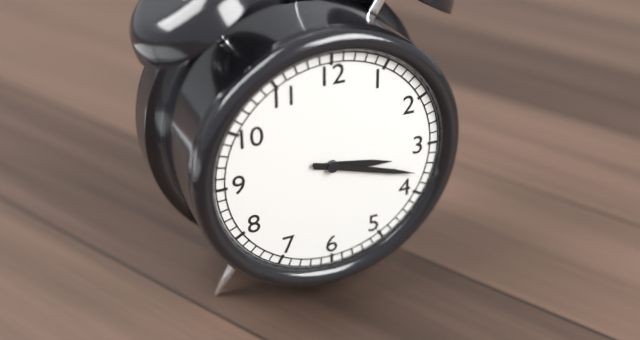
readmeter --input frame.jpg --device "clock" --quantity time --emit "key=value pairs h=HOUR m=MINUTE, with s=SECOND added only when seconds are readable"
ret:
h=3 m=18
